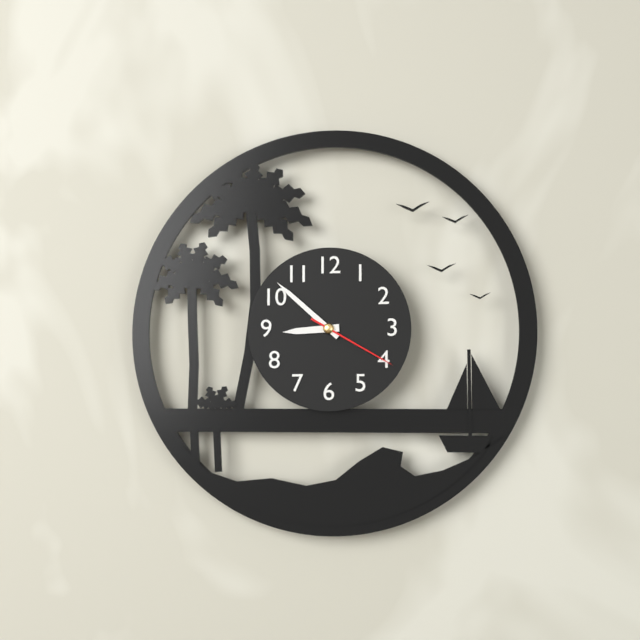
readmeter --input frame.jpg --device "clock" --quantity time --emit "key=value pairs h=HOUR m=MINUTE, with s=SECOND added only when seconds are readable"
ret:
h=8 m=52 s=20
